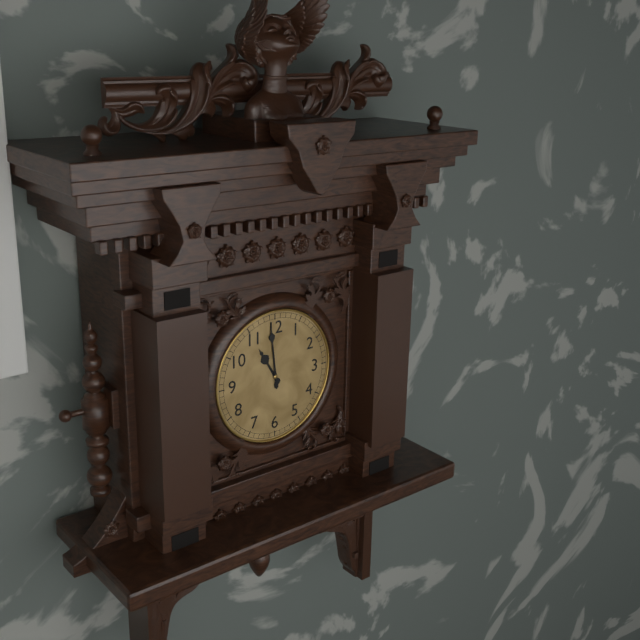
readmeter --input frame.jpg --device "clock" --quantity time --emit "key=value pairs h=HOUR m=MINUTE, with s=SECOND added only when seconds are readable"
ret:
h=10 m=59
